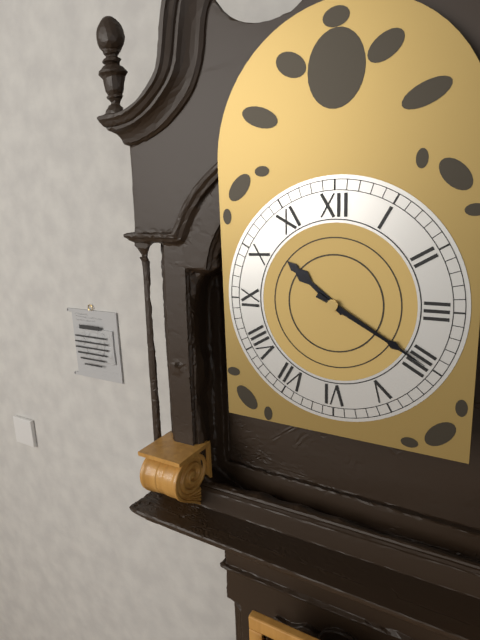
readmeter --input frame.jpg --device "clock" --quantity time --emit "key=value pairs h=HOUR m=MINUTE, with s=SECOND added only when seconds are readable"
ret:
h=10 m=20
